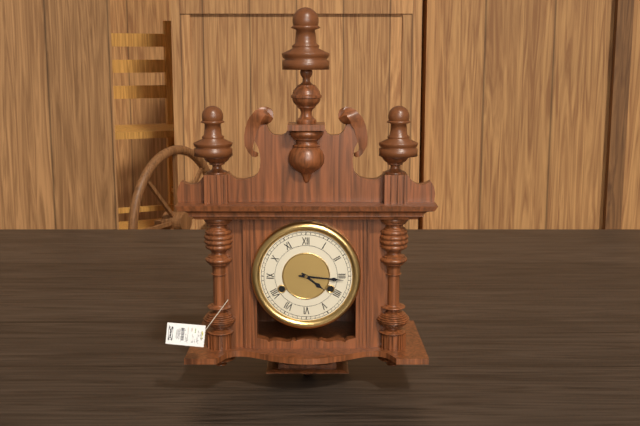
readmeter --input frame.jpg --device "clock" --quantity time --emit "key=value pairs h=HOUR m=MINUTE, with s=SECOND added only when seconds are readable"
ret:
h=4 m=16
